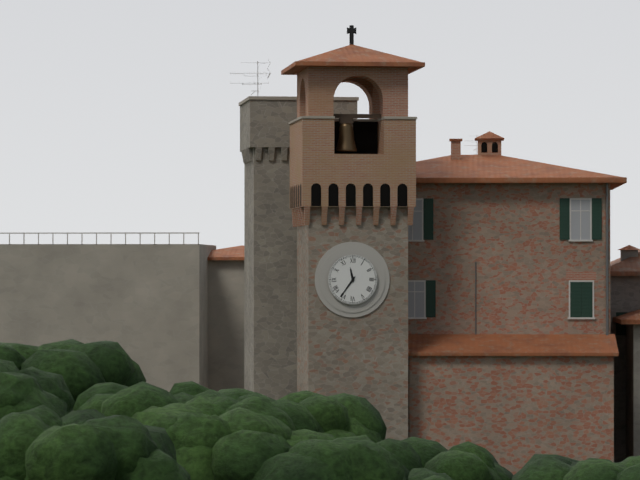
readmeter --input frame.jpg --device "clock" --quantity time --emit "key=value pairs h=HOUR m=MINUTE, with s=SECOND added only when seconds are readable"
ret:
h=11 m=36
